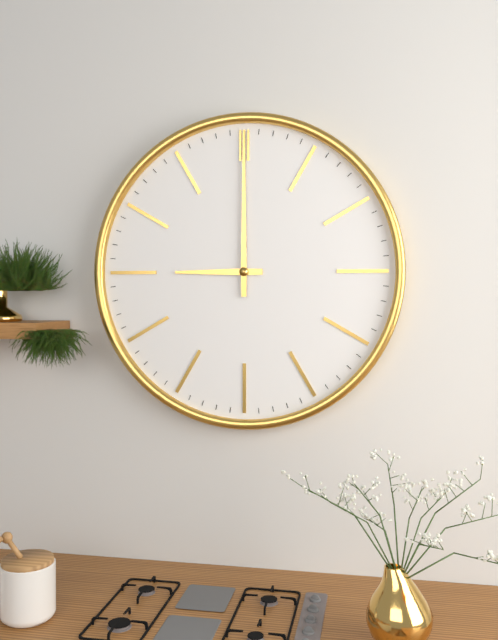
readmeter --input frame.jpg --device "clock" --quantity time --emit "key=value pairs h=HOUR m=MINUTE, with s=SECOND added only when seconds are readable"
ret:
h=9 m=0
